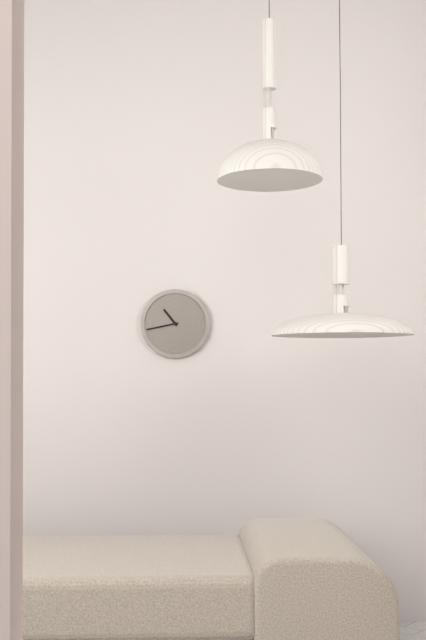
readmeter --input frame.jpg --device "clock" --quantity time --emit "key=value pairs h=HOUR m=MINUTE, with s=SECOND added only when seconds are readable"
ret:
h=10 m=43
